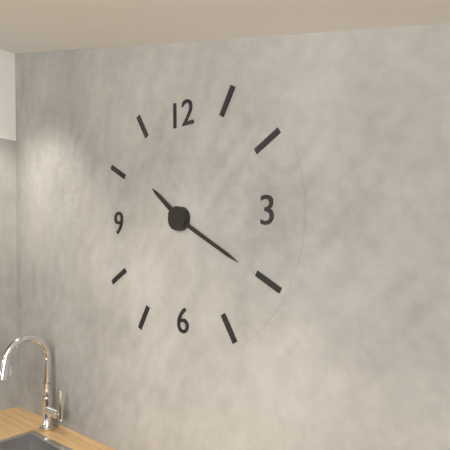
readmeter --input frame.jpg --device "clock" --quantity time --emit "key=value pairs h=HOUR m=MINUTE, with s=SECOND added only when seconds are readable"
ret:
h=10 m=20
